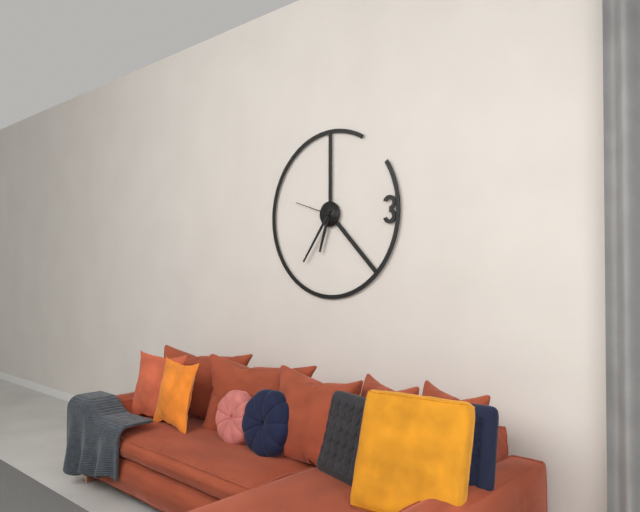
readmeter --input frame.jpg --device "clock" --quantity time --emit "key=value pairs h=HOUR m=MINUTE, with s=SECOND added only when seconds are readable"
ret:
h=6 m=36
